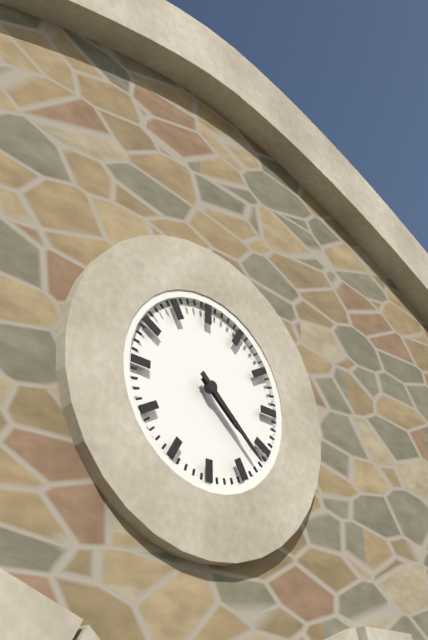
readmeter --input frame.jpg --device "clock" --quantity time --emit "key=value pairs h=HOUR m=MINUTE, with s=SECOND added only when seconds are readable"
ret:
h=4 m=22
